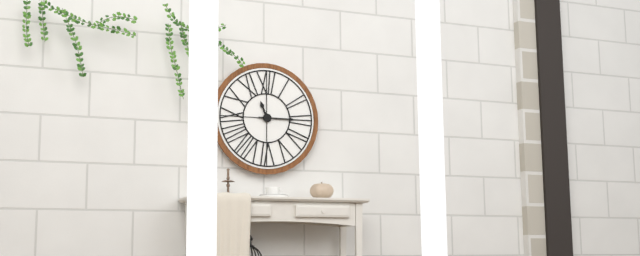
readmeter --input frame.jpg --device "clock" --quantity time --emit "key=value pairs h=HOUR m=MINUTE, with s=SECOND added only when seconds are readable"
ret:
h=11 m=15
